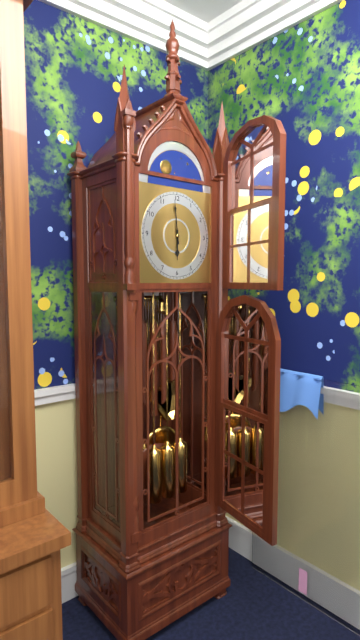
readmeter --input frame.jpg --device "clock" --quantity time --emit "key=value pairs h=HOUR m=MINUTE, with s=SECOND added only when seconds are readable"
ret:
h=5 m=59
